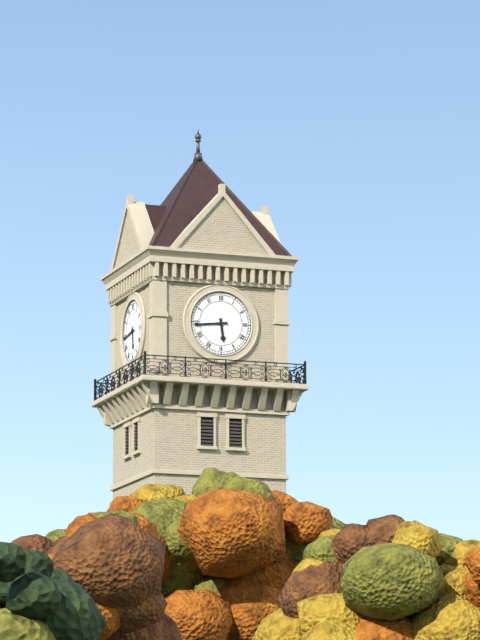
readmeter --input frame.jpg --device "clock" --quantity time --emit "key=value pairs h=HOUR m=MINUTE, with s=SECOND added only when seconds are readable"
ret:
h=5 m=44
